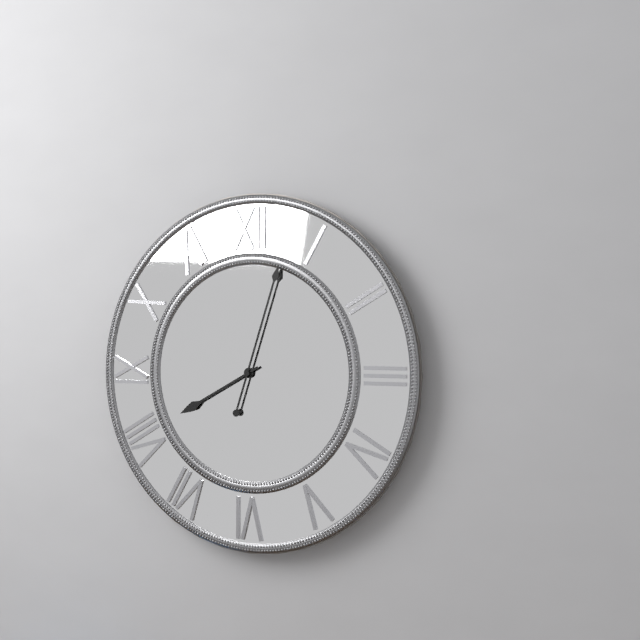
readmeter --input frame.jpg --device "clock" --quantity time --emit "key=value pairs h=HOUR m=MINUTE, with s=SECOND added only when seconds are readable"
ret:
h=8 m=3
